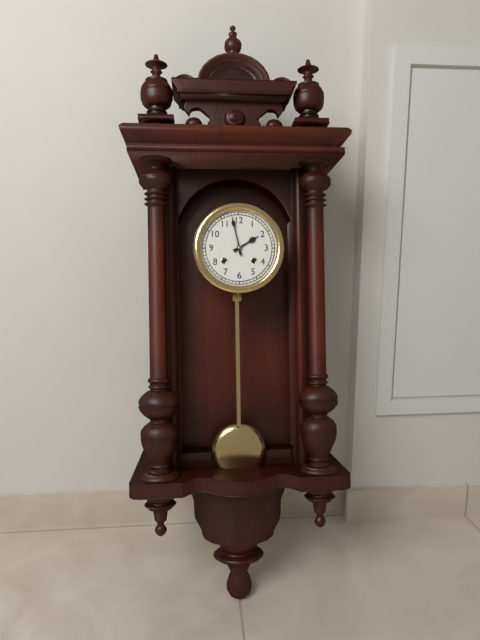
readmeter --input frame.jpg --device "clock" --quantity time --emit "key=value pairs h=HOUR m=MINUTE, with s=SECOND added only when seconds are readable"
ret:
h=1 m=58
